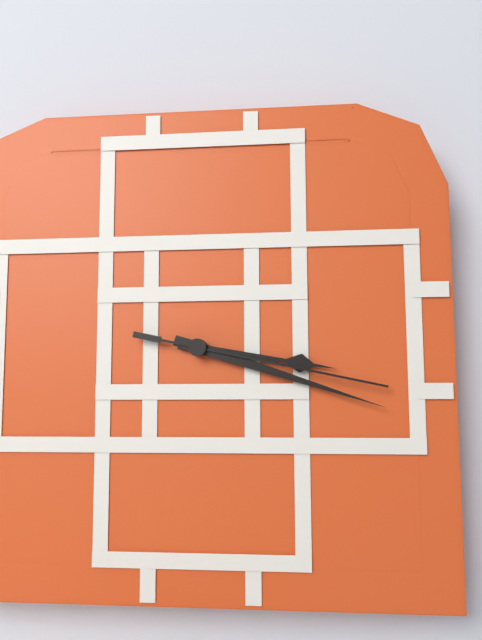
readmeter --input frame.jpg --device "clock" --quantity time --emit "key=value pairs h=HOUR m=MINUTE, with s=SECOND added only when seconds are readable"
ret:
h=3 m=18 s=17
